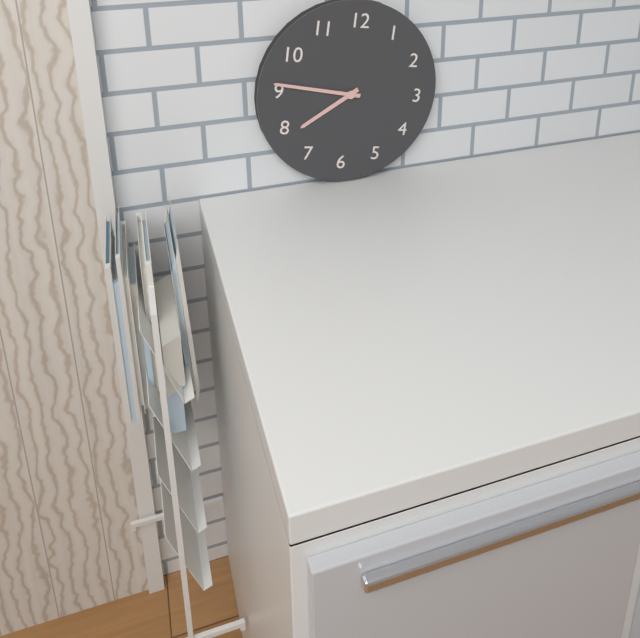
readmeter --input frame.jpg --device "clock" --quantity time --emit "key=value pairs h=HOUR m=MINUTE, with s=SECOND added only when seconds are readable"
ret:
h=7 m=46
